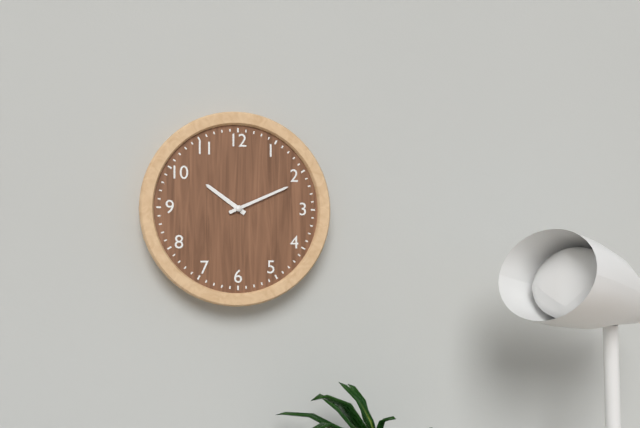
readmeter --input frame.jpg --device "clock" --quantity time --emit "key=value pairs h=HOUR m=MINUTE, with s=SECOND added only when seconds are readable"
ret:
h=10 m=11
